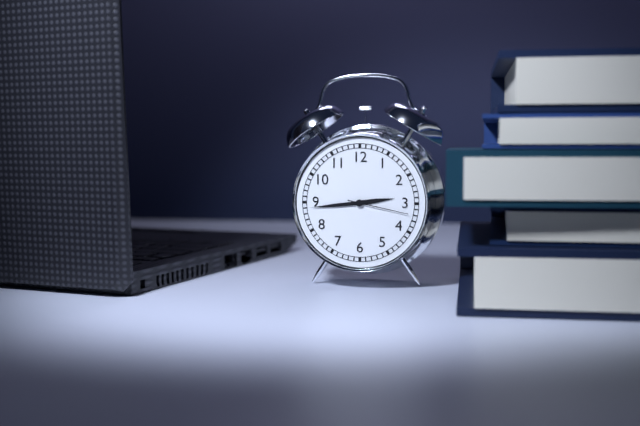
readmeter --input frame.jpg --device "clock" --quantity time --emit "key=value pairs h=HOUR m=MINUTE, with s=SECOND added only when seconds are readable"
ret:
h=2 m=44 s=17
